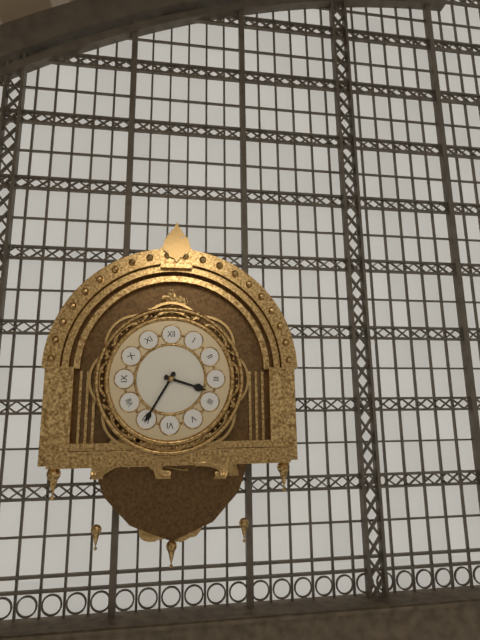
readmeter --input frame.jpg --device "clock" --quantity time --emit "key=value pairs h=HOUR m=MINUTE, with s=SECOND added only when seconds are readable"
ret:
h=3 m=35
